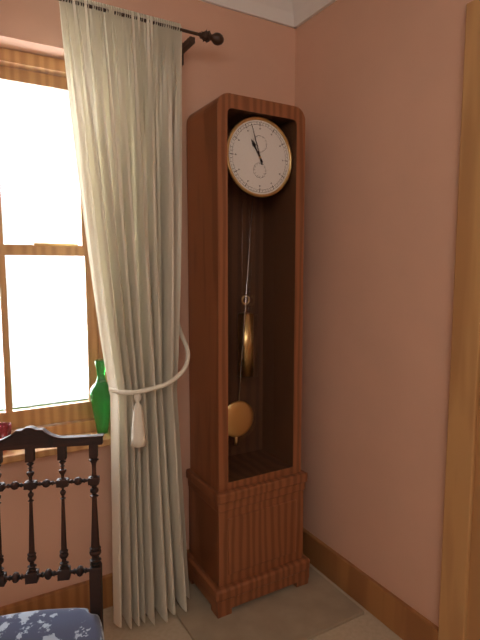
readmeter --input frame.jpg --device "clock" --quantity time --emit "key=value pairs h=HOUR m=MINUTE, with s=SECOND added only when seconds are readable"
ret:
h=10 m=57
